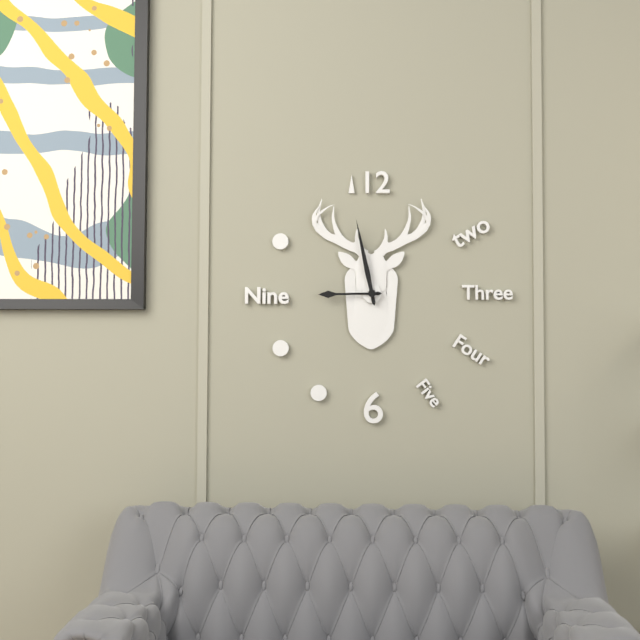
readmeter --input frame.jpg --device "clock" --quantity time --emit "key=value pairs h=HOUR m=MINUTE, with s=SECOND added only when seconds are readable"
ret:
h=8 m=58
